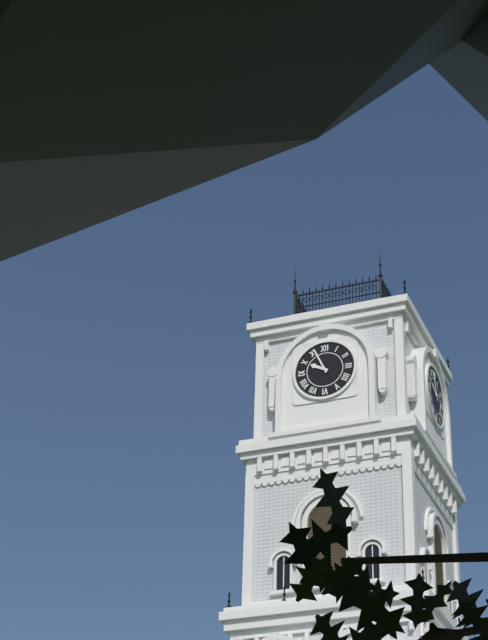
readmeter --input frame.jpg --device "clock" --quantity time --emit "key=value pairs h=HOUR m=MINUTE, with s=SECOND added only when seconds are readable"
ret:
h=9 m=56
